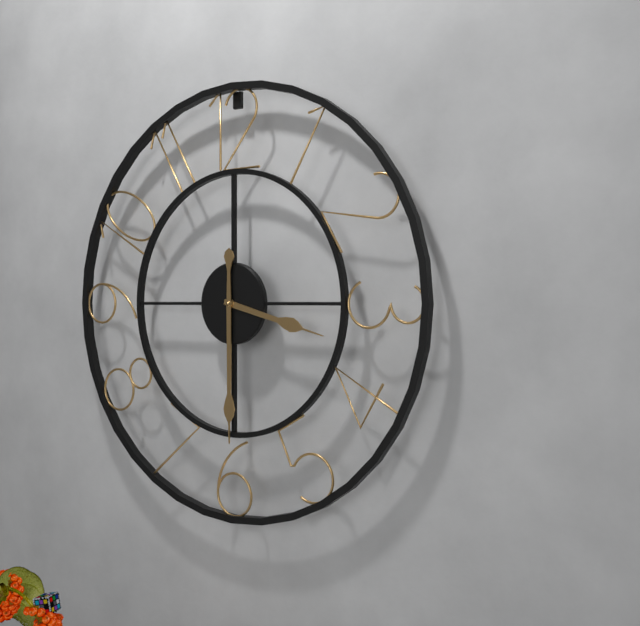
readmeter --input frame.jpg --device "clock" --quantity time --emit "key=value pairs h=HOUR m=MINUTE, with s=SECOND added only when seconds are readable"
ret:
h=3 m=30
